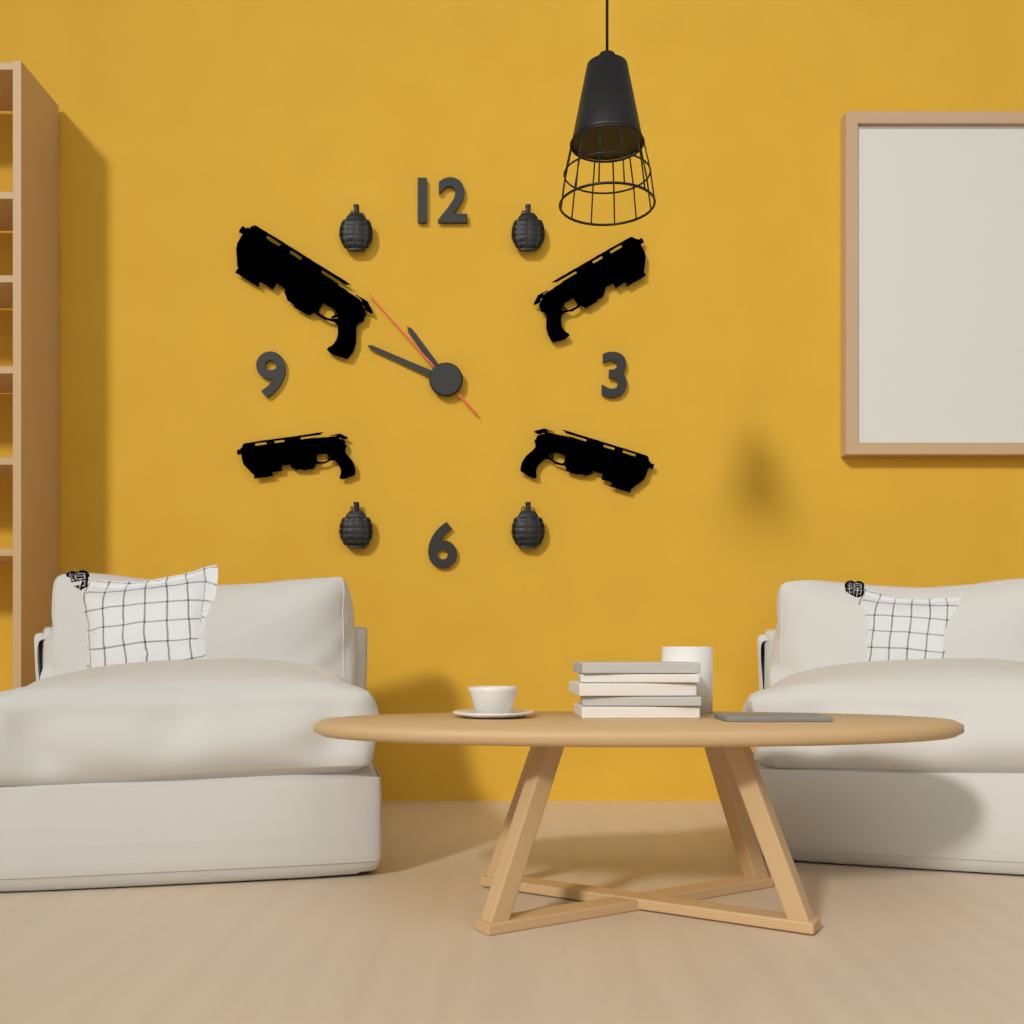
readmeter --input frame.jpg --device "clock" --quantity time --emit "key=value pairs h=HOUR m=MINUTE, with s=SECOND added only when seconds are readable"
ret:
h=10 m=49 s=53
